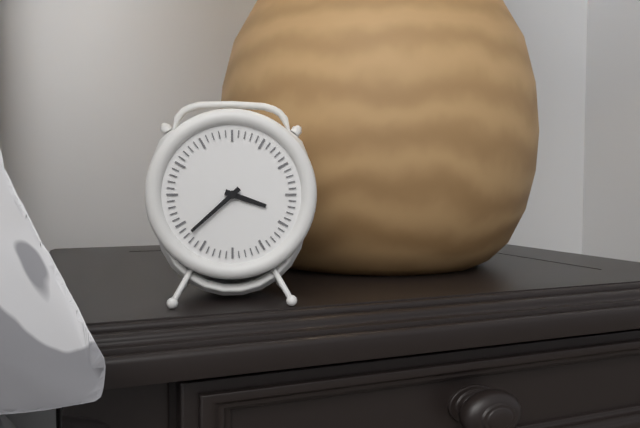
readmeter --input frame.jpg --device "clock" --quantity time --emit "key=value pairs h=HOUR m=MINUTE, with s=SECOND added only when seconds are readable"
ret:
h=3 m=38
